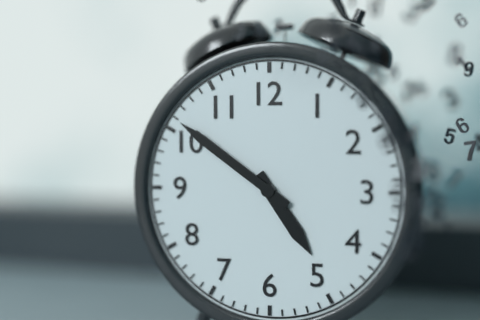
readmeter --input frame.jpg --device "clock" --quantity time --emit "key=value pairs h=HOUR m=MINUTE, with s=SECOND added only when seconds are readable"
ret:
h=4 m=51
